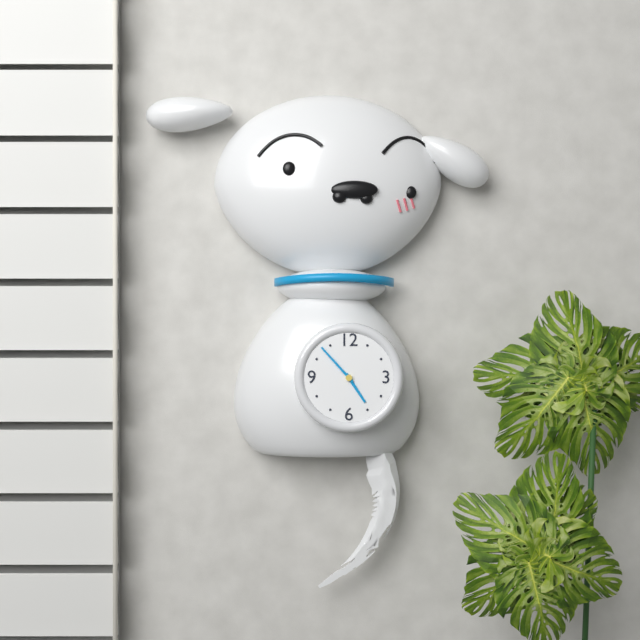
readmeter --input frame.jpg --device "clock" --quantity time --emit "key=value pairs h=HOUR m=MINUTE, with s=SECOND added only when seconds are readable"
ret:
h=4 m=53
